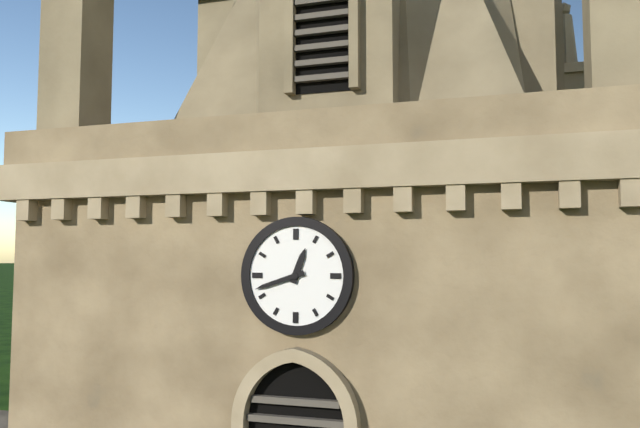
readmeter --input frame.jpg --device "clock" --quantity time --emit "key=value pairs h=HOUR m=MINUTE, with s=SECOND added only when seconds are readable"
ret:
h=12 m=42
